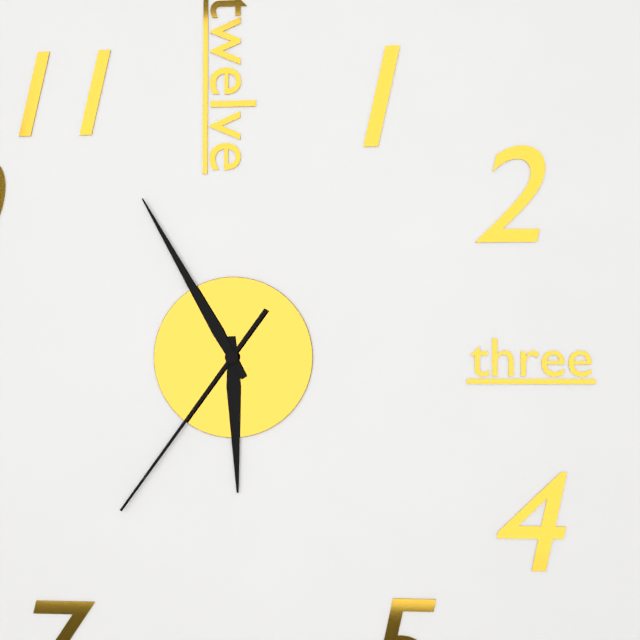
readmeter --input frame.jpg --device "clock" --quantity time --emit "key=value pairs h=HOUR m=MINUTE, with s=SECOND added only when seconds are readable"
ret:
h=5 m=55 s=36
